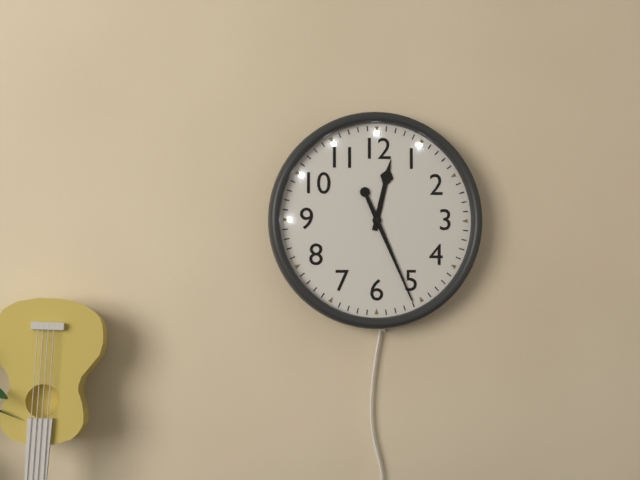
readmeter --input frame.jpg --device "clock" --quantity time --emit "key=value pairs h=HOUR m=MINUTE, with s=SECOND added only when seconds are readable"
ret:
h=12 m=26
